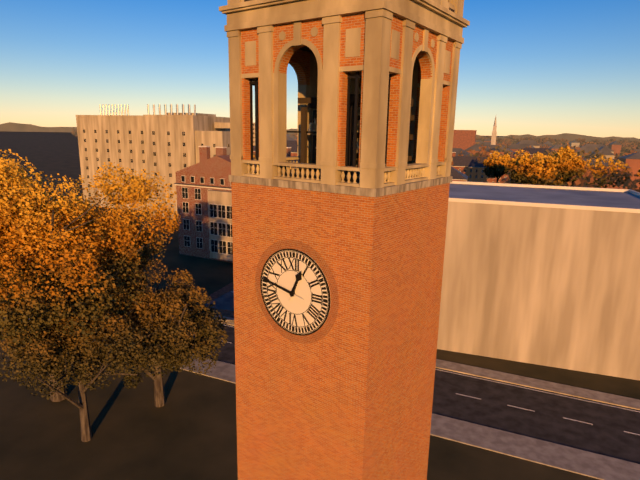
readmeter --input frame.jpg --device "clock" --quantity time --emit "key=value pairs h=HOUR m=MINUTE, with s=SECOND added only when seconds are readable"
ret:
h=12 m=47
